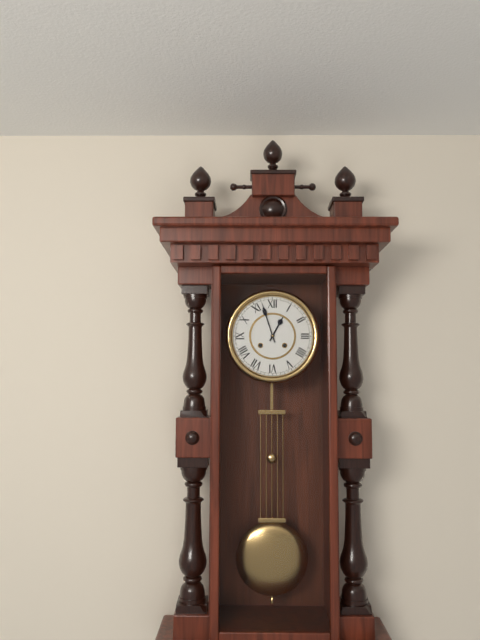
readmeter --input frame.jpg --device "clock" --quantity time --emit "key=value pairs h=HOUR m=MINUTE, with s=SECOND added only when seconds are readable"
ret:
h=12 m=57
